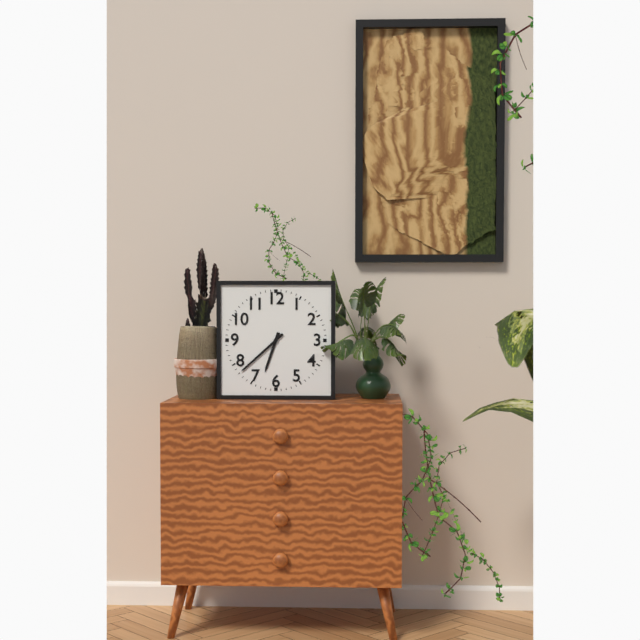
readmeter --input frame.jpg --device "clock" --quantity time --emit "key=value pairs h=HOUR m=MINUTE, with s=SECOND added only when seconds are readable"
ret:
h=6 m=38
